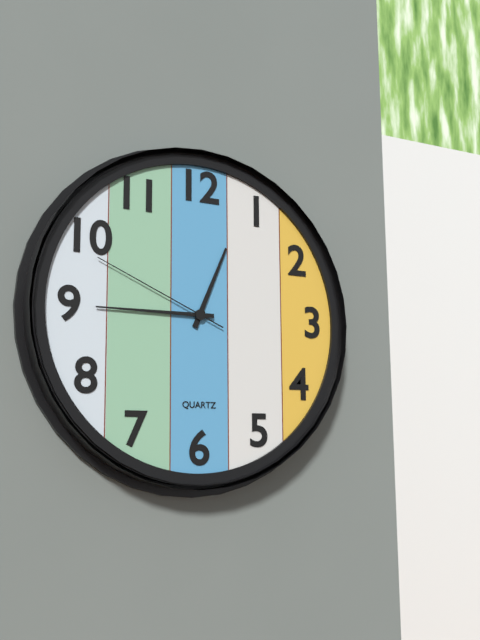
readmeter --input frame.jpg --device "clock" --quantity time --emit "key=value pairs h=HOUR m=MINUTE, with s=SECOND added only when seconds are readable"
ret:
h=12 m=45 s=49
